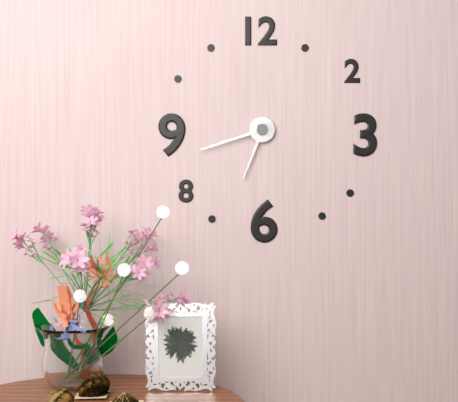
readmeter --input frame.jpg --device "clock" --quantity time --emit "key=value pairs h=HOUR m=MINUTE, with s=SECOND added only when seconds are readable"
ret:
h=6 m=42
